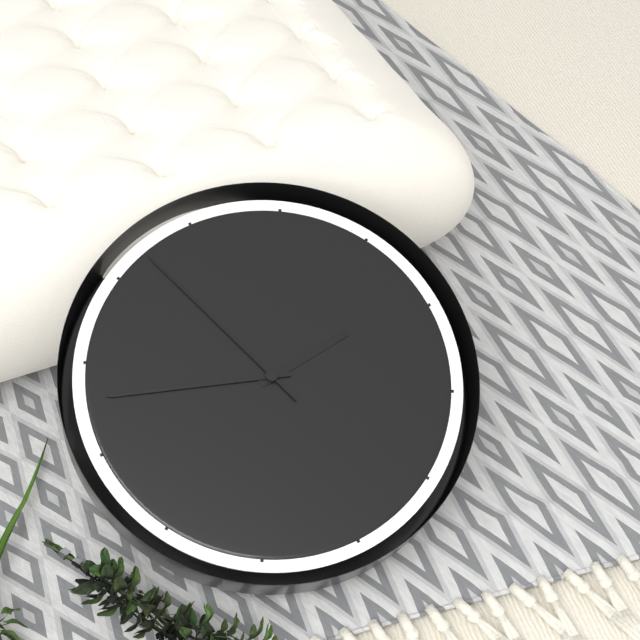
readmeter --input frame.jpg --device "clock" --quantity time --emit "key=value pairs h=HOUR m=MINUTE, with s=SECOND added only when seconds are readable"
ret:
h=2 m=48 s=57
